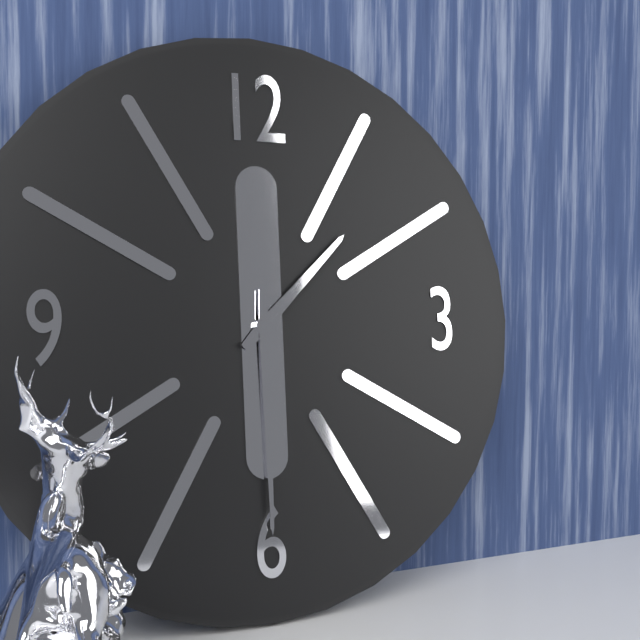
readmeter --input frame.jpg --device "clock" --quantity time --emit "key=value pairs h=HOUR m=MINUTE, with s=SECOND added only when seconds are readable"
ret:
h=1 m=30
